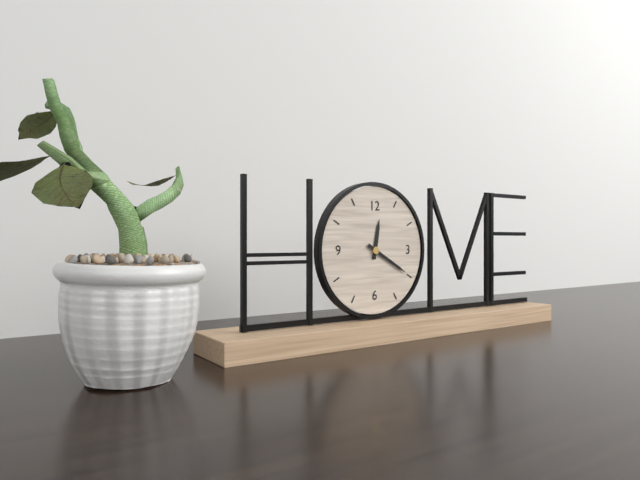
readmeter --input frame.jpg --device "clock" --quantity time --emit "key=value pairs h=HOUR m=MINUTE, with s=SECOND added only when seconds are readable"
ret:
h=12 m=20
